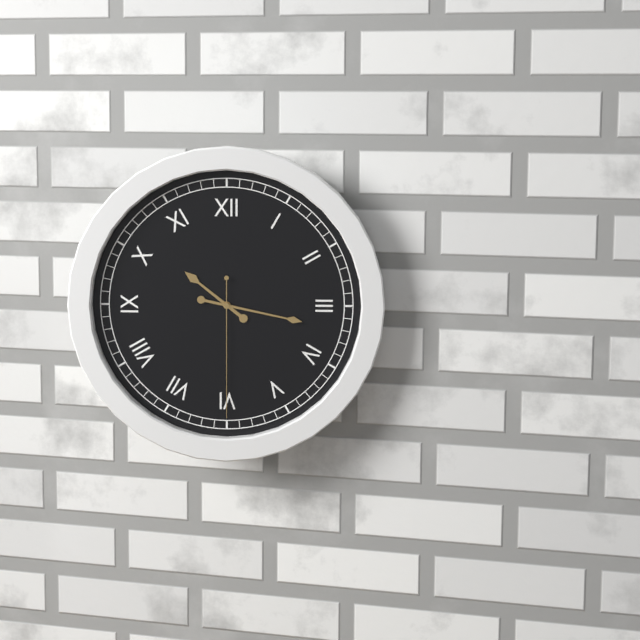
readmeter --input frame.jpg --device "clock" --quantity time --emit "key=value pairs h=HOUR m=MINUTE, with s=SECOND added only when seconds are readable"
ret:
h=10 m=17 s=30
